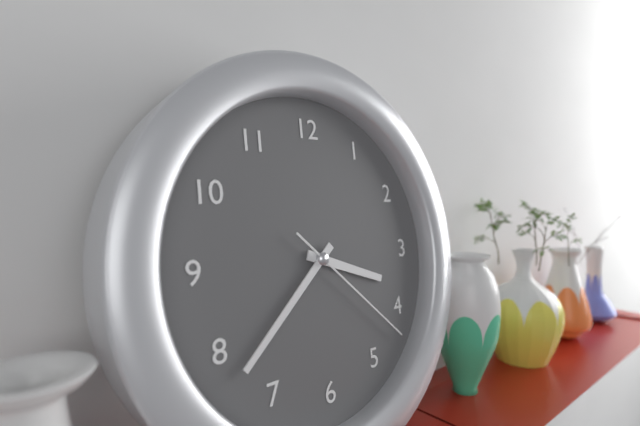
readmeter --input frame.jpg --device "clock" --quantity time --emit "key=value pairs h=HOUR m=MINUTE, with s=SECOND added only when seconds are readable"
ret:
h=3 m=38 s=22
